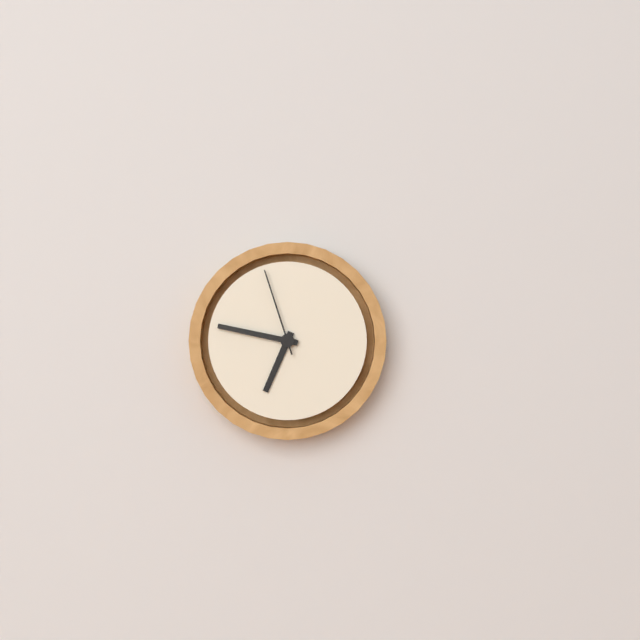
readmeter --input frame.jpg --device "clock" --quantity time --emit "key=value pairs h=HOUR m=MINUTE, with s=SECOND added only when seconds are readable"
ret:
h=6 m=47 s=57
